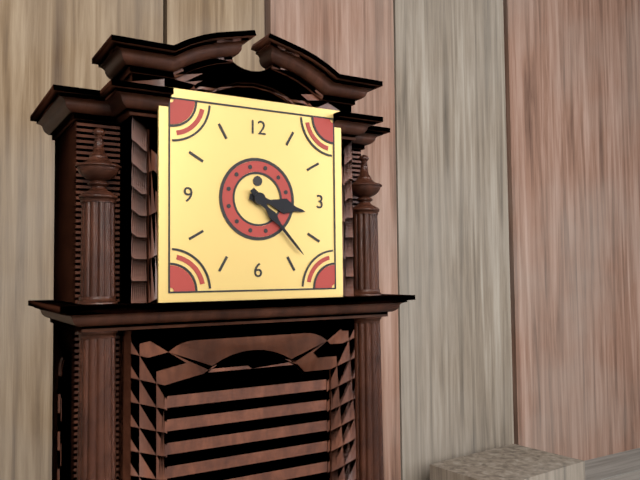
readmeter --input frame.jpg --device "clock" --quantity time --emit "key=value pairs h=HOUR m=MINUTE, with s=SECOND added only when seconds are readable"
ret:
h=3 m=23
